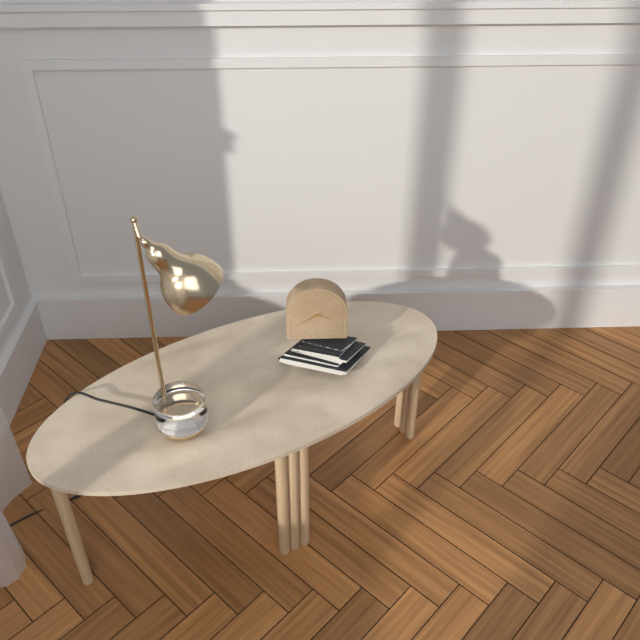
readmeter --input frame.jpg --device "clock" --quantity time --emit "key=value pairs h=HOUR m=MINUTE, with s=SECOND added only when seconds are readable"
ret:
h=3 m=40
